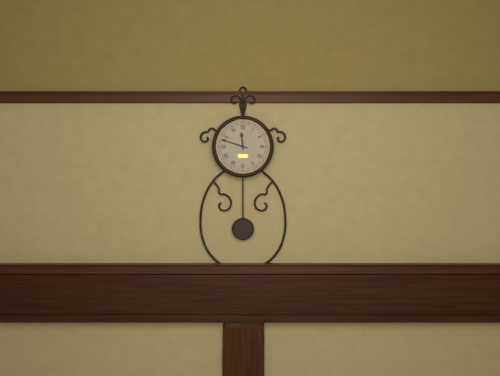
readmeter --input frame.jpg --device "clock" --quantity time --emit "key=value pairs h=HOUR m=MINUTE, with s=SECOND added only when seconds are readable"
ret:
h=11 m=48
